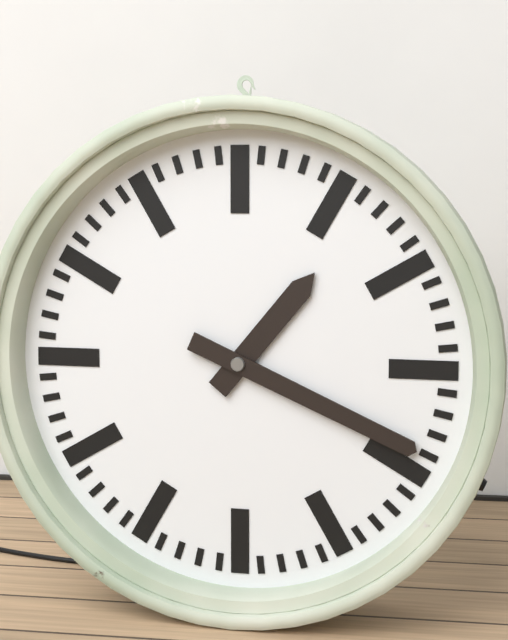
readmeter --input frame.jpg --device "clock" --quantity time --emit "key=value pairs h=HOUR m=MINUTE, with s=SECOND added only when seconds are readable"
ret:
h=1 m=19
